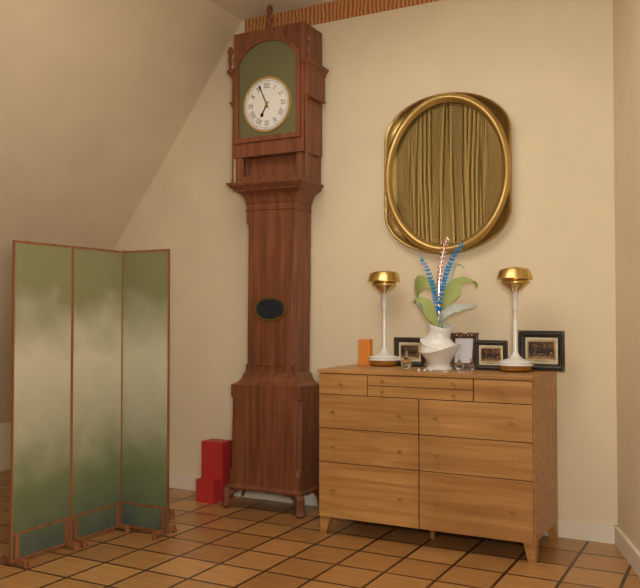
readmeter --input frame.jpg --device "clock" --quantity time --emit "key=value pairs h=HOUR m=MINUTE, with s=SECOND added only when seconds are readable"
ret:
h=6 m=56
